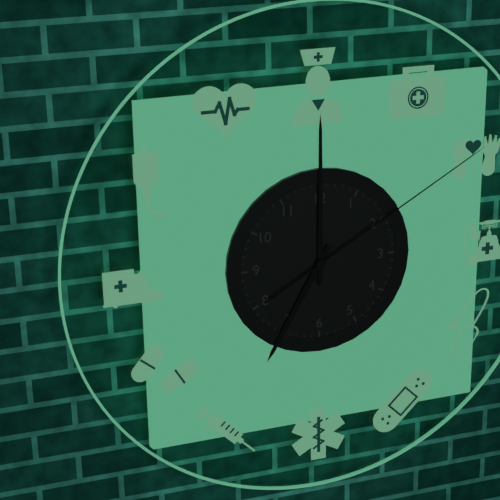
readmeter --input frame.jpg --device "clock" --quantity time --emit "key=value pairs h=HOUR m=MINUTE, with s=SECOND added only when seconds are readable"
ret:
h=7 m=0 s=10
